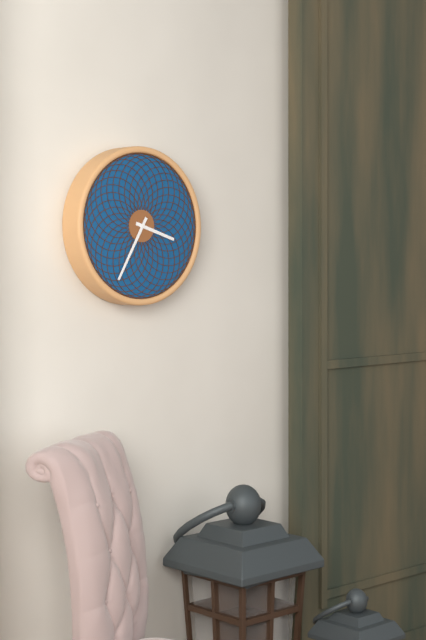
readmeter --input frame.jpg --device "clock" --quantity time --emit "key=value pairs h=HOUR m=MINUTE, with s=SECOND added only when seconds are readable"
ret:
h=3 m=35
